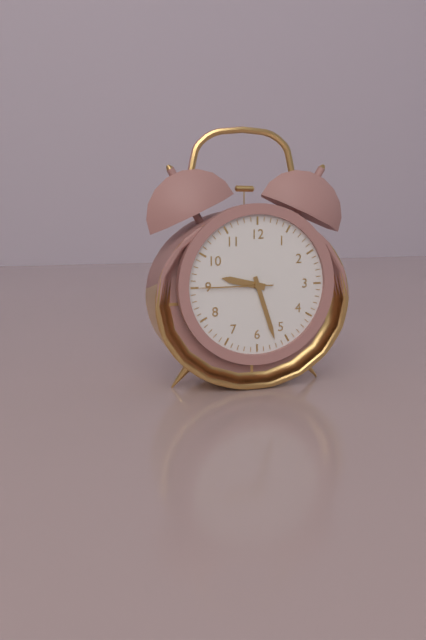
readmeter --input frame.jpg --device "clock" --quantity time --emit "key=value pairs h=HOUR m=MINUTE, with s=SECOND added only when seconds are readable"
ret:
h=9 m=27 s=45
